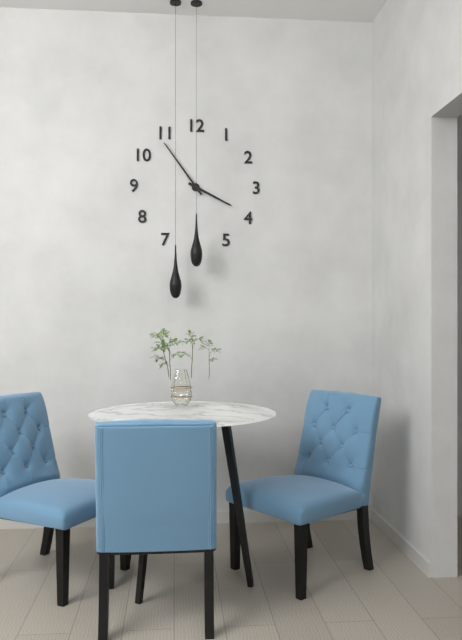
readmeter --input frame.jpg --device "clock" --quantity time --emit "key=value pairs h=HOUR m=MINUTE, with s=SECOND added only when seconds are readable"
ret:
h=3 m=54
